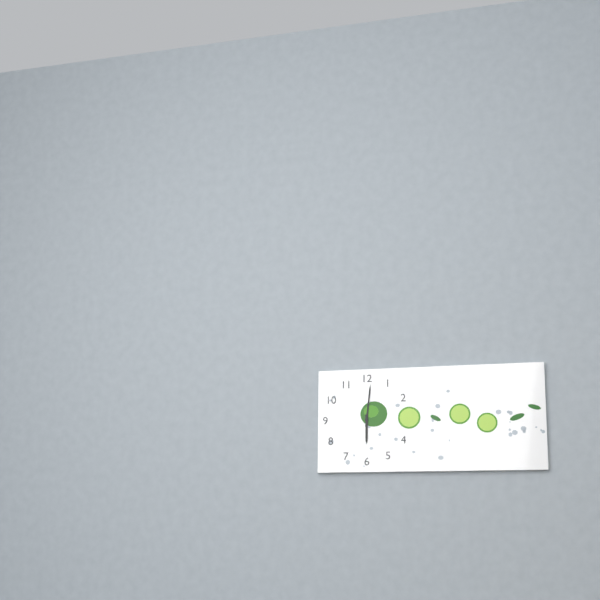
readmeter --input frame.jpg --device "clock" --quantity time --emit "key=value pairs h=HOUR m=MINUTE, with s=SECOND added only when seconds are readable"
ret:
h=6 m=1
